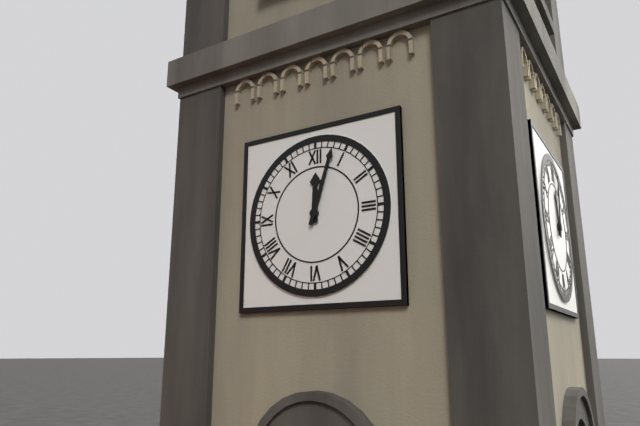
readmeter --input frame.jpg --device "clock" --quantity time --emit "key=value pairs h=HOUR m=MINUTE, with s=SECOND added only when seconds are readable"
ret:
h=12 m=3
